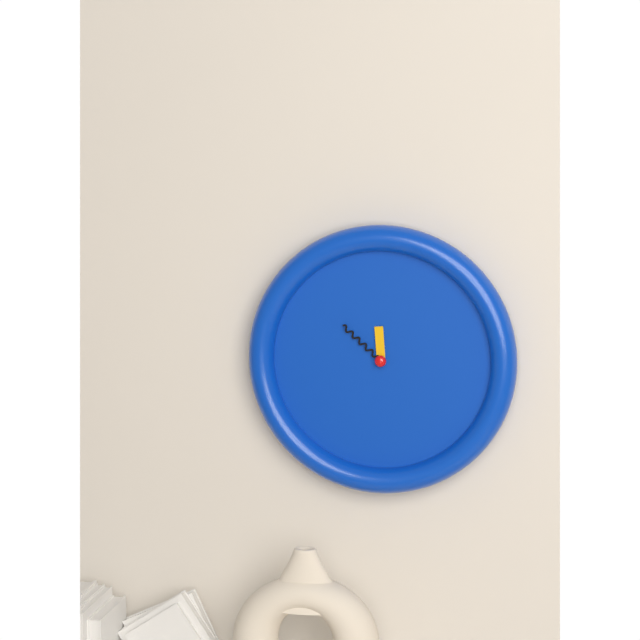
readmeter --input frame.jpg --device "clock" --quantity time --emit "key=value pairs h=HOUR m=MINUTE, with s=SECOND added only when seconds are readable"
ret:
h=11 m=52
